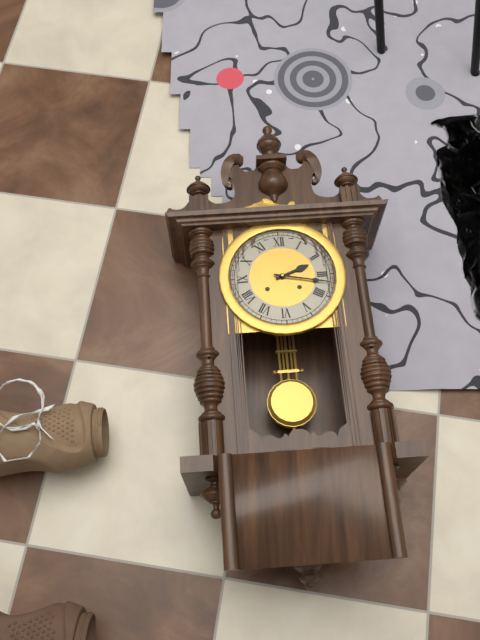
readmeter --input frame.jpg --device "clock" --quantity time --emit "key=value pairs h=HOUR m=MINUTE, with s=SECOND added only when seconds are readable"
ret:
h=2 m=17
